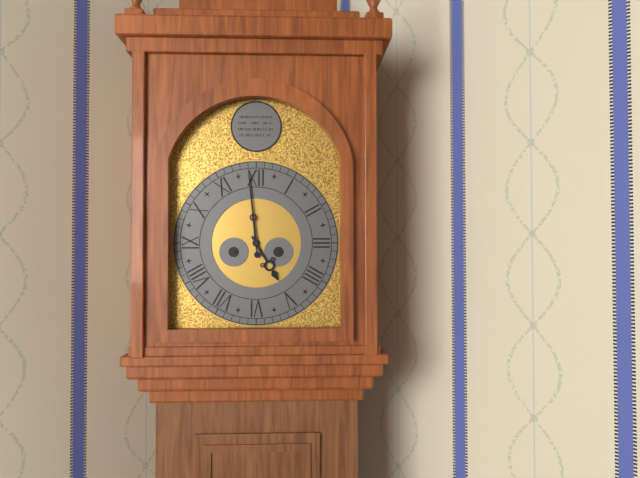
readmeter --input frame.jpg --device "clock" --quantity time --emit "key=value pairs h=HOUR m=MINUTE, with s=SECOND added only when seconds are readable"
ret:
h=4 m=59
